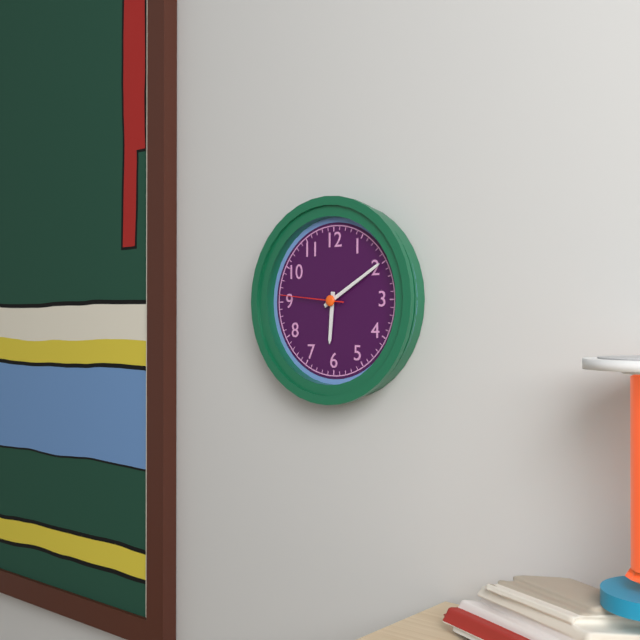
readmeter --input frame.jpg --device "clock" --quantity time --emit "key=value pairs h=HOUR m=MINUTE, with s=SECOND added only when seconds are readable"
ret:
h=6 m=10 s=46
